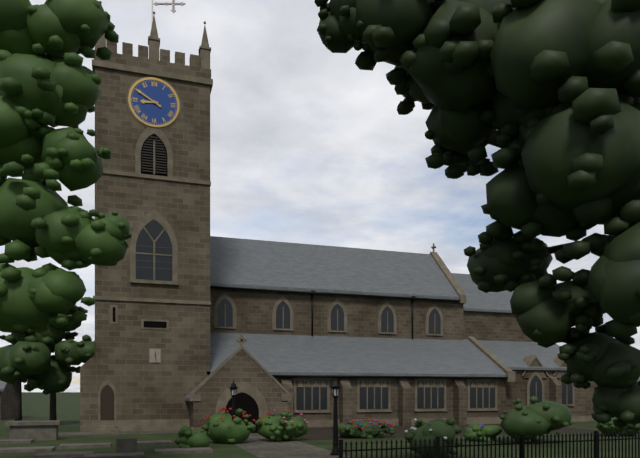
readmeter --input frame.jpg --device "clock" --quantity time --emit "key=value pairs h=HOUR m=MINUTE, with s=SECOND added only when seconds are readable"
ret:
h=8 m=50
